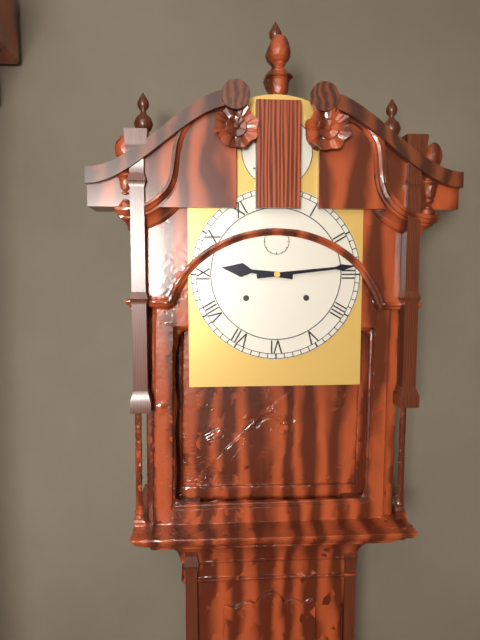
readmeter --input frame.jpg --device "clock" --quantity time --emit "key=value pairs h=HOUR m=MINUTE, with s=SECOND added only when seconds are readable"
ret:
h=9 m=14
